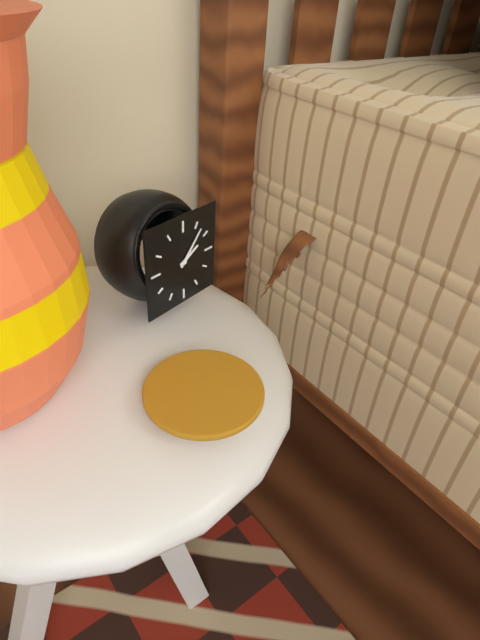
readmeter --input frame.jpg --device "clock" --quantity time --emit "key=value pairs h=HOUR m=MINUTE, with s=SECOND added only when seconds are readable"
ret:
h=2 m=7
